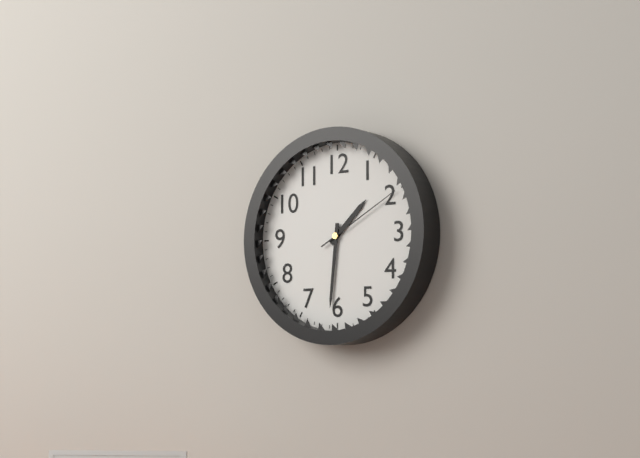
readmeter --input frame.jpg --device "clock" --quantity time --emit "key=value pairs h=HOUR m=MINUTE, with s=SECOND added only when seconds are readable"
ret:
h=1 m=31 s=10
